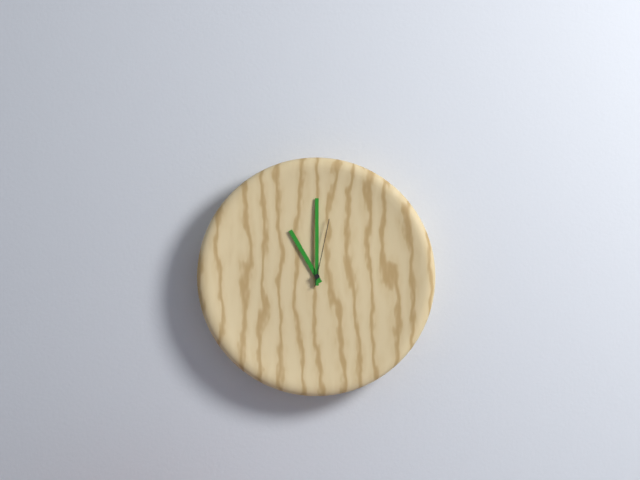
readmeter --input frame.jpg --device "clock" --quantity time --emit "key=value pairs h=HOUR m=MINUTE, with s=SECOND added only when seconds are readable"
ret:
h=11 m=0 s=2
